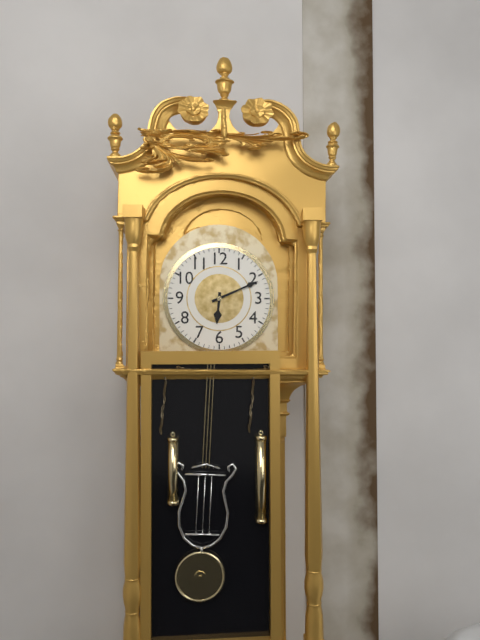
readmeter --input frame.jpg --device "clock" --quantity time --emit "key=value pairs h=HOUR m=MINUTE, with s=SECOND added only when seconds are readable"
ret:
h=6 m=11
